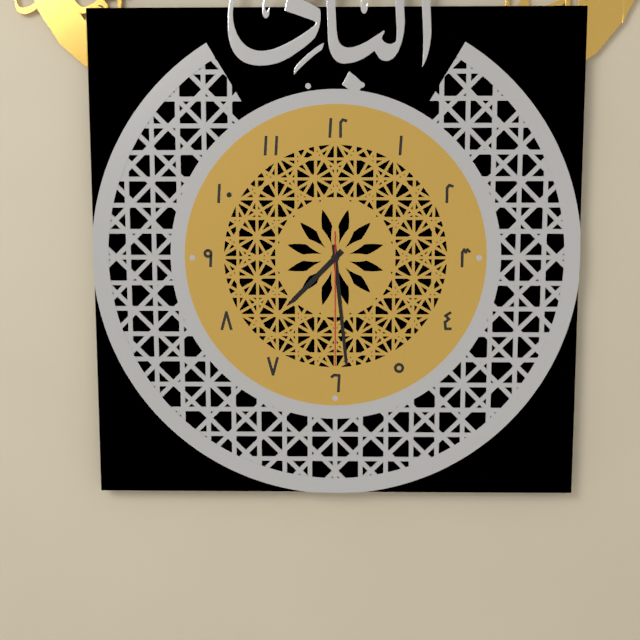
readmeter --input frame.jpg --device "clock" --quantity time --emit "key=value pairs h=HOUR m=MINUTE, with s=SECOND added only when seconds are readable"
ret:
h=7 m=29 s=30
